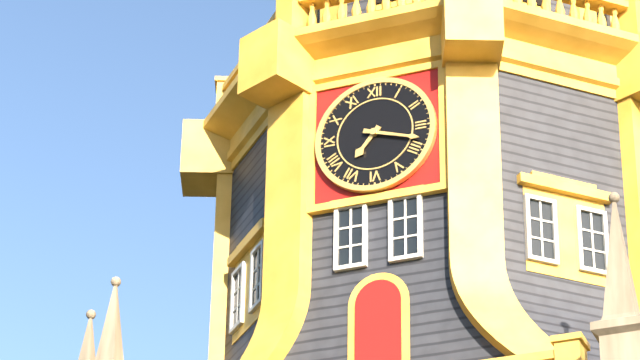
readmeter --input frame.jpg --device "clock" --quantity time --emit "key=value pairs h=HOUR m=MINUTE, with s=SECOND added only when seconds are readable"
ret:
h=7 m=18
